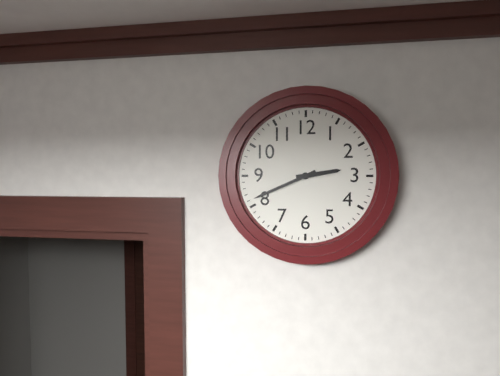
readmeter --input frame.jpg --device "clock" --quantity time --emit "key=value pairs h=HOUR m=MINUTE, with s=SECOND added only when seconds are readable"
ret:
h=2 m=41
